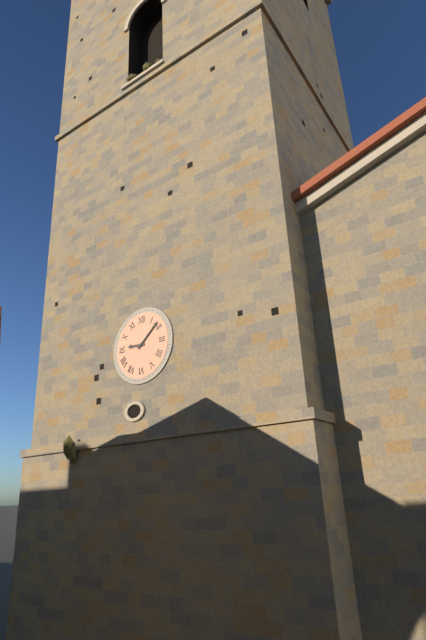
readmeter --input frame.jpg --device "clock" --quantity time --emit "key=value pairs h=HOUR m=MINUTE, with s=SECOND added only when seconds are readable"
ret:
h=9 m=8
